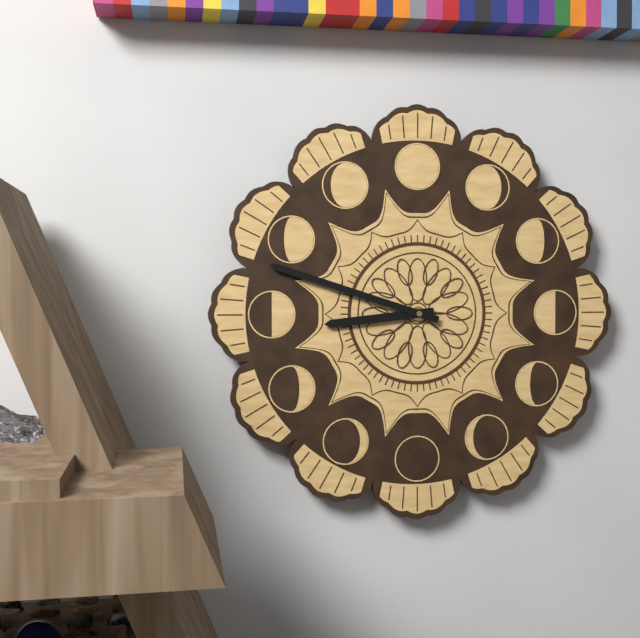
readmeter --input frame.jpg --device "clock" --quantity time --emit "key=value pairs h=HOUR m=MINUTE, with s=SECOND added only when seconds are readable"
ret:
h=8 m=48
